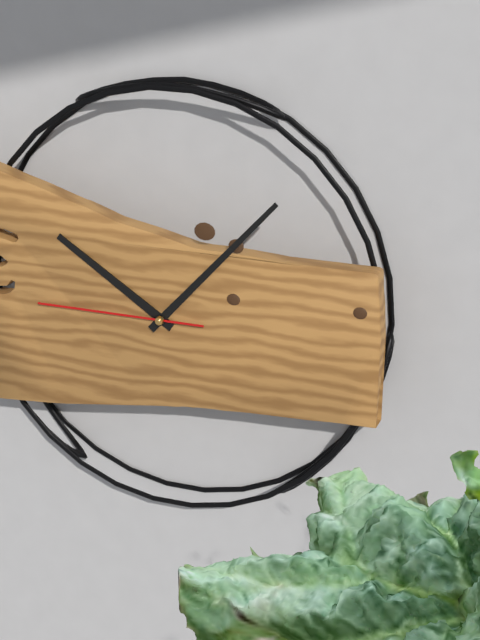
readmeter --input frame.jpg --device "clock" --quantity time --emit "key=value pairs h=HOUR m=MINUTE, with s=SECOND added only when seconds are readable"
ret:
h=10 m=7 s=45
